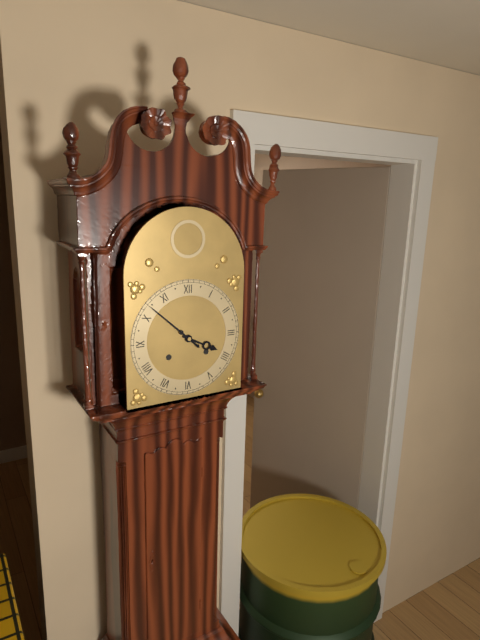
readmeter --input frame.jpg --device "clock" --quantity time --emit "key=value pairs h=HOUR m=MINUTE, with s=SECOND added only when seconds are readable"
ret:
h=3 m=52
